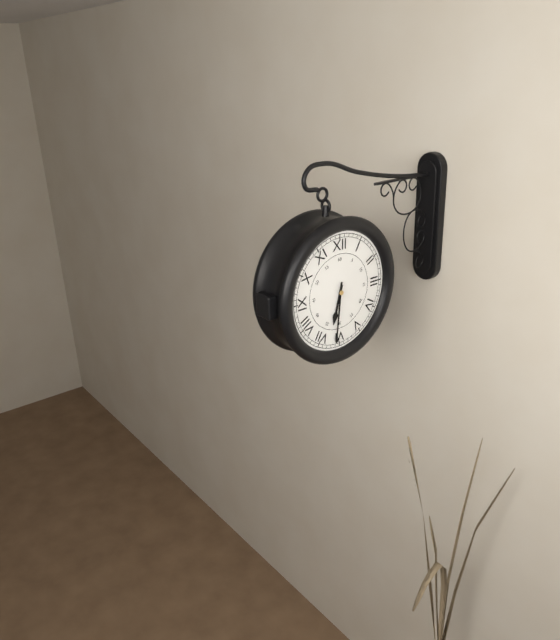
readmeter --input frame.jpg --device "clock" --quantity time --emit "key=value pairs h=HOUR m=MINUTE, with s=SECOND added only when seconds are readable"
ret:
h=6 m=31
